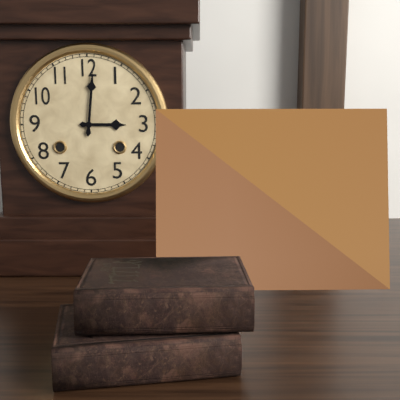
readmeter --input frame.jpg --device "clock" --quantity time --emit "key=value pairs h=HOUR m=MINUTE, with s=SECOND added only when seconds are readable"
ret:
h=3 m=1
